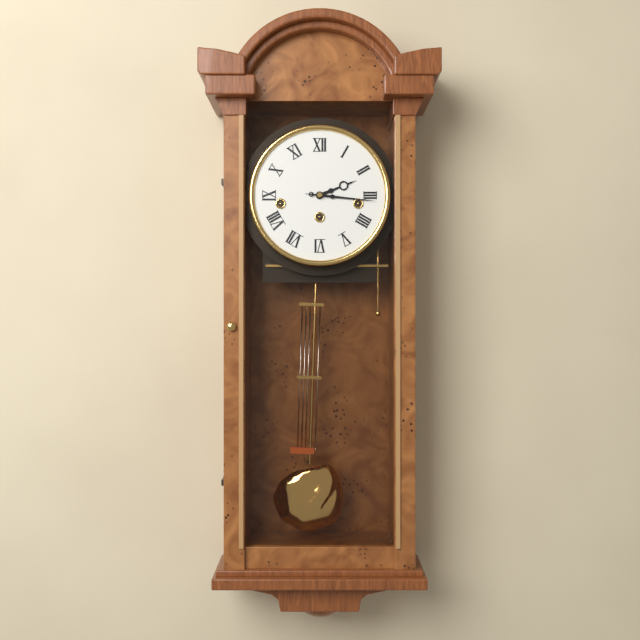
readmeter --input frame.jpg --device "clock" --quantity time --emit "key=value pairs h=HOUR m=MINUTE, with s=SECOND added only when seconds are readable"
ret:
h=2 m=16
